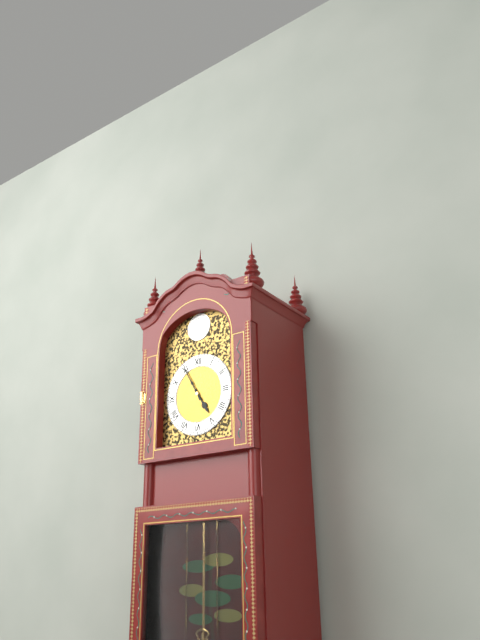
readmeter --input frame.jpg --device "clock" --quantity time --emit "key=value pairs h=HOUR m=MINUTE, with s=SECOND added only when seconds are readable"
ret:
h=4 m=55
